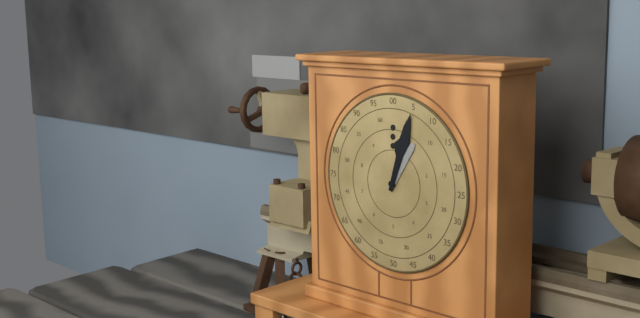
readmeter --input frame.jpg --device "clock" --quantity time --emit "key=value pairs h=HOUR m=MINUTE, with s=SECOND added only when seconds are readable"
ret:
h=1 m=3
